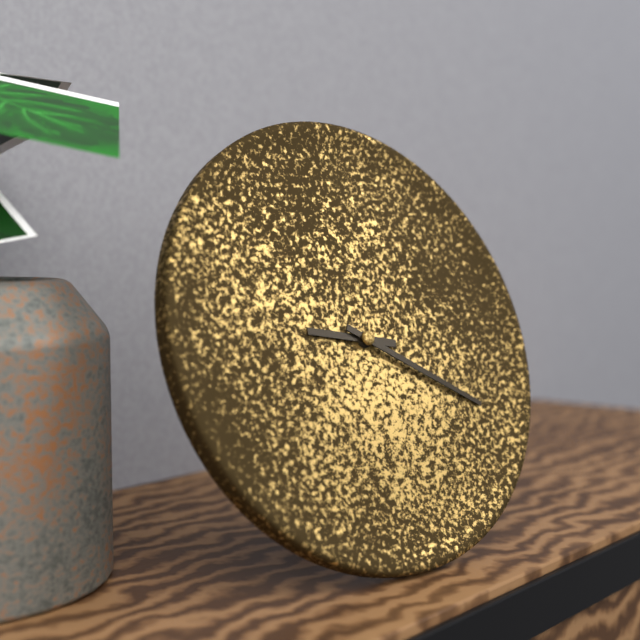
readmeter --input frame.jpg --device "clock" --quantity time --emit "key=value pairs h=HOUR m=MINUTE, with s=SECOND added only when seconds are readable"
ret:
h=9 m=20
